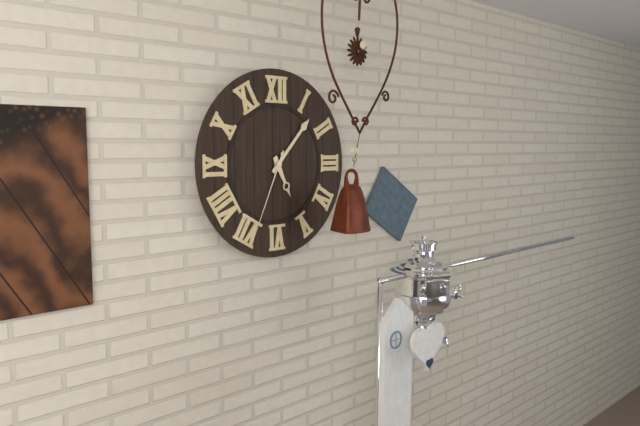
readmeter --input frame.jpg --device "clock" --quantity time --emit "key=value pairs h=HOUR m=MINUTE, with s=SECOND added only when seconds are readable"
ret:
h=5 m=7 s=34
